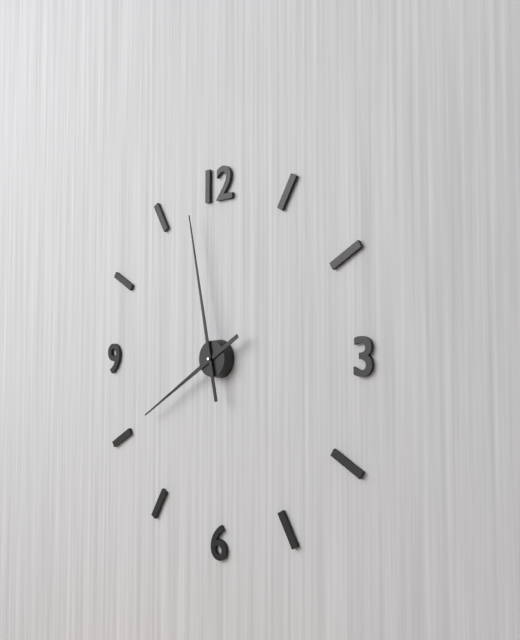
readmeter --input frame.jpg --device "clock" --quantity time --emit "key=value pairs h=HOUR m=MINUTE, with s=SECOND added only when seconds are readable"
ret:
h=7 m=58
